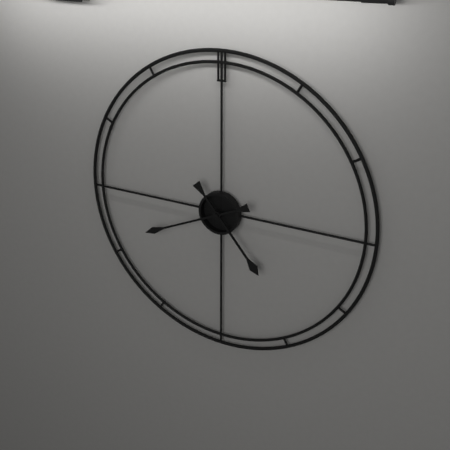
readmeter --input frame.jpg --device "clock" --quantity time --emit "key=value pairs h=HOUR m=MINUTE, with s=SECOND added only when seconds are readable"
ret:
h=4 m=41
